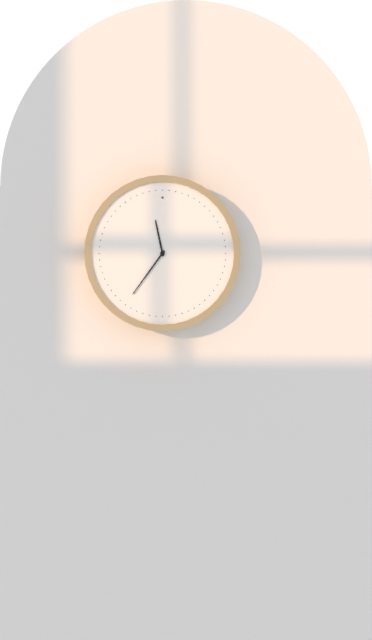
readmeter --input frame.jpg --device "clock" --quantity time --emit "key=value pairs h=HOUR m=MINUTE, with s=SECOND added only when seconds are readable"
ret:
h=11 m=36
